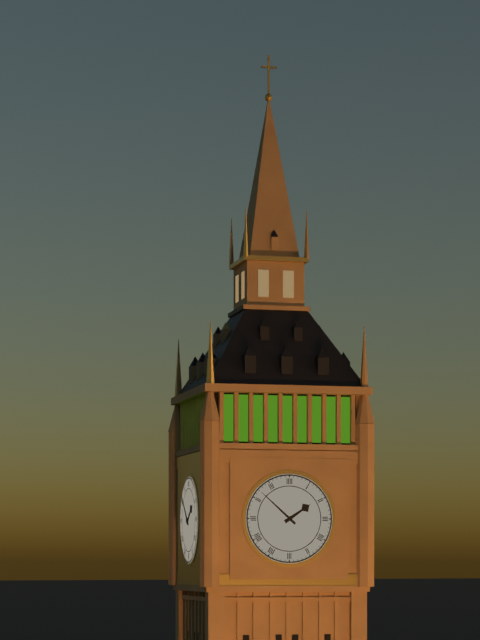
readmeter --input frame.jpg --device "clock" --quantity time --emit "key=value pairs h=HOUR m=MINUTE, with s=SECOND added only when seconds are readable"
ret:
h=1 m=52
